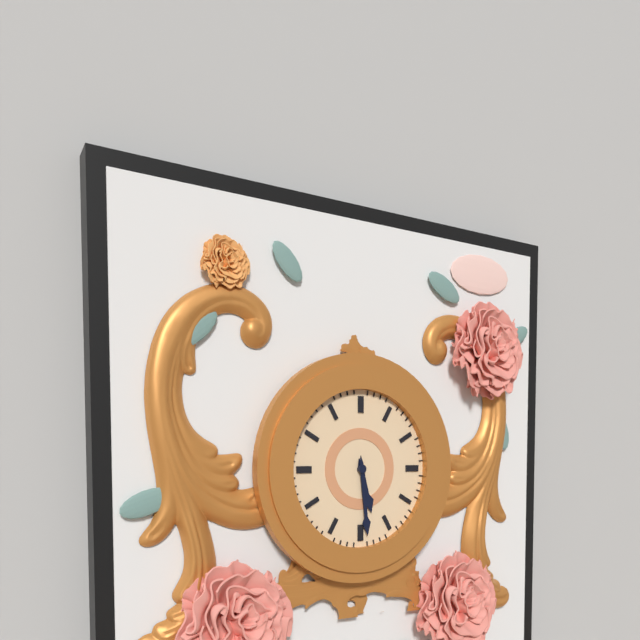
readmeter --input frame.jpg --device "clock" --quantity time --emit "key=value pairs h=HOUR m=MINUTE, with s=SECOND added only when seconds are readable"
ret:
h=5 m=29
